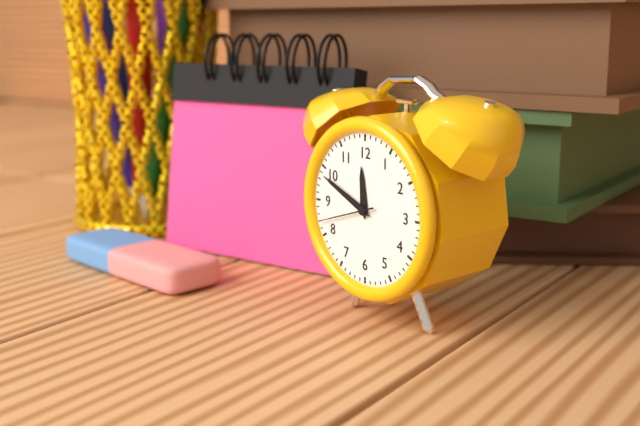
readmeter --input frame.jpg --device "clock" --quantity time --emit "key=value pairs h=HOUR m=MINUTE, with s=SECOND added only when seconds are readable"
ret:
h=11 m=49 s=42
